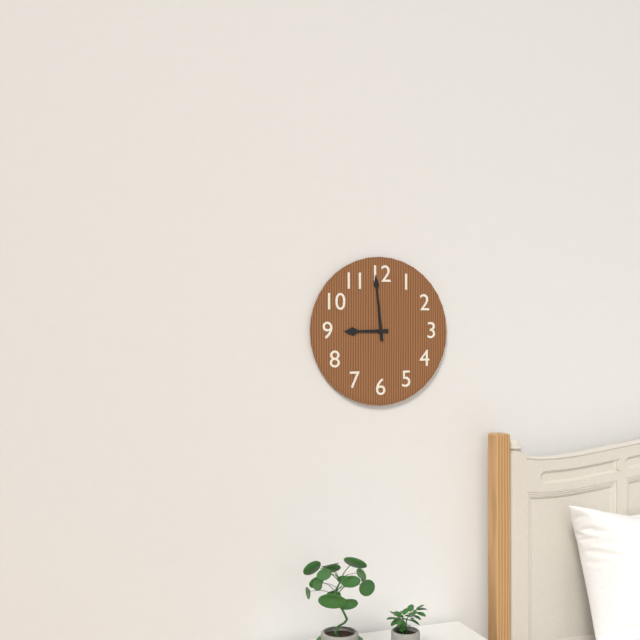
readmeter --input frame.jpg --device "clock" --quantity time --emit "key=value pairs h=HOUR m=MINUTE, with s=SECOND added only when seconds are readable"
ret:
h=8 m=59
